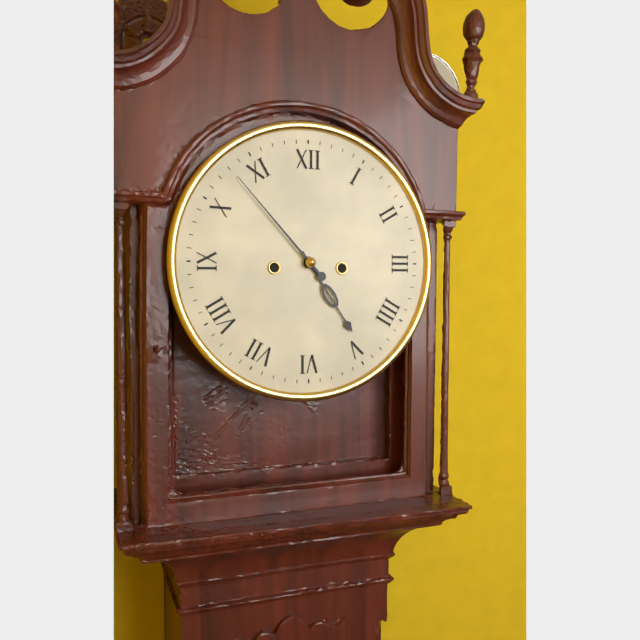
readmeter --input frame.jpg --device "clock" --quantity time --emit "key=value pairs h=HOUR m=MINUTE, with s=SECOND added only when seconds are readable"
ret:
h=4 m=53
